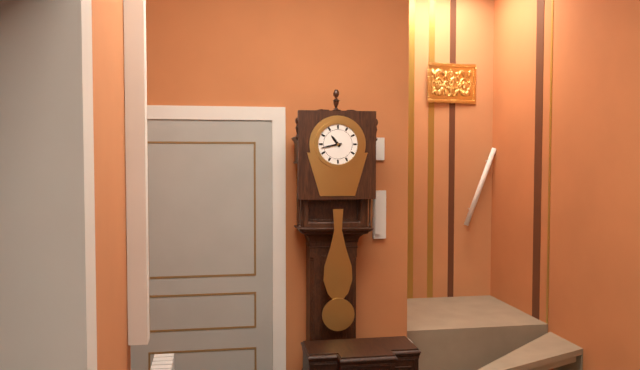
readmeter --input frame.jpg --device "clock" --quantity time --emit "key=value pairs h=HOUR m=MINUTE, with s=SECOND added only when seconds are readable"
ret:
h=10 m=43
